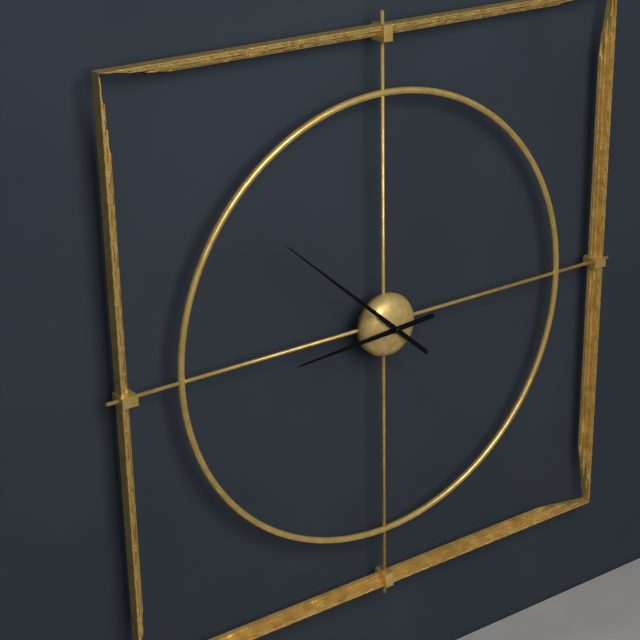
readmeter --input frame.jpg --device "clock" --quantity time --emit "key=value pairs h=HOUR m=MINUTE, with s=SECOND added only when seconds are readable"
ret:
h=8 m=52
